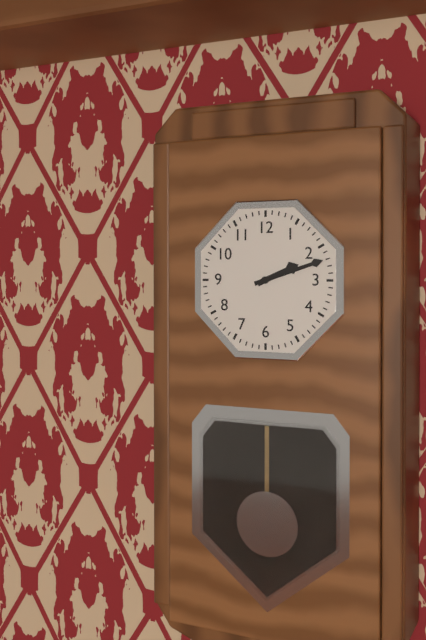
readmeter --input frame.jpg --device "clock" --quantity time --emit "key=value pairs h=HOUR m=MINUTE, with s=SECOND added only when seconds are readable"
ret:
h=2 m=12
